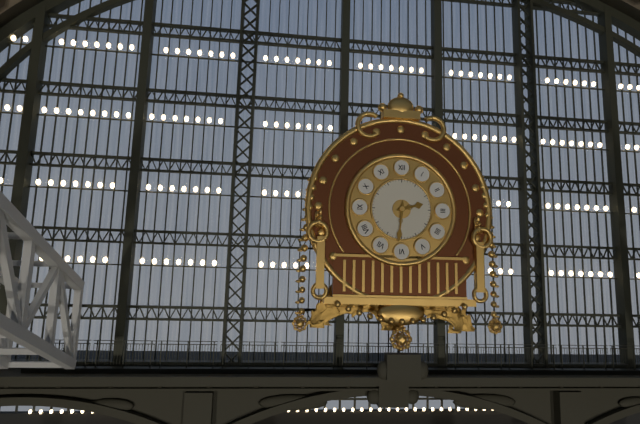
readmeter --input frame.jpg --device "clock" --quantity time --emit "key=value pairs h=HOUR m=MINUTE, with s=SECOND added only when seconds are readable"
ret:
h=2 m=31
